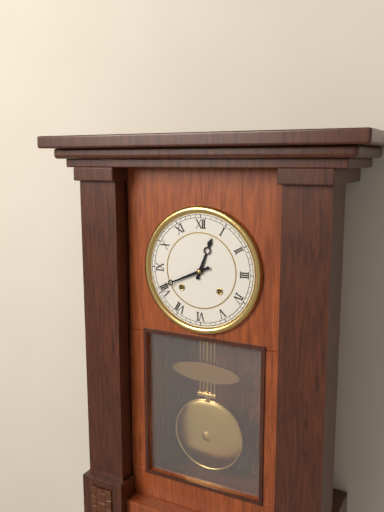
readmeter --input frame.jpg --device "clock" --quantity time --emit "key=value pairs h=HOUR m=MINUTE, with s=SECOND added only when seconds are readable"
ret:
h=12 m=41
